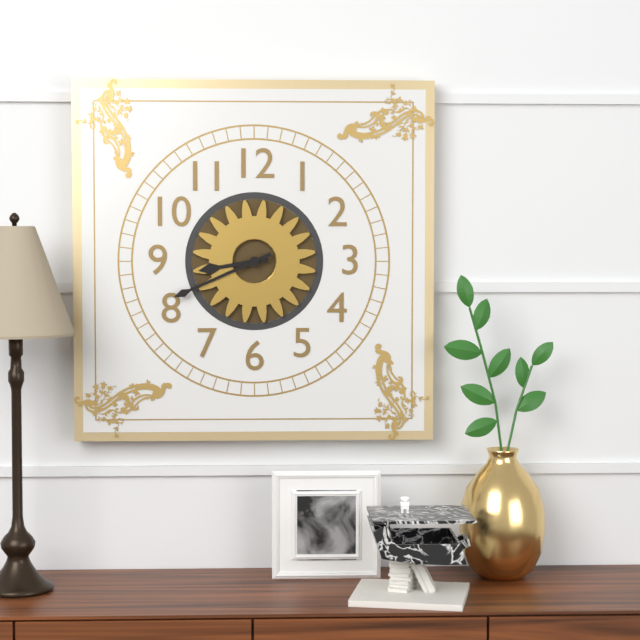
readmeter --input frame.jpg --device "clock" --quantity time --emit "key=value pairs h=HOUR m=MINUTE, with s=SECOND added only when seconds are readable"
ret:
h=8 m=41
